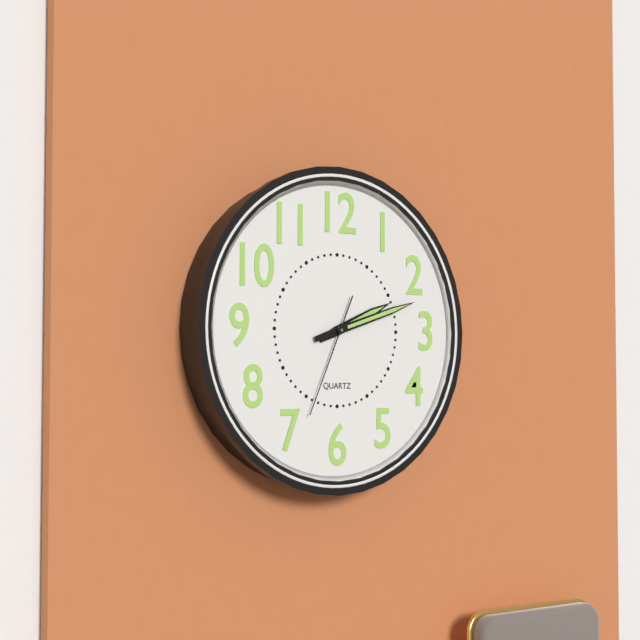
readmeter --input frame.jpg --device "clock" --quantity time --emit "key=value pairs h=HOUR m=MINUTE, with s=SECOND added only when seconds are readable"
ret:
h=2 m=12 s=34
